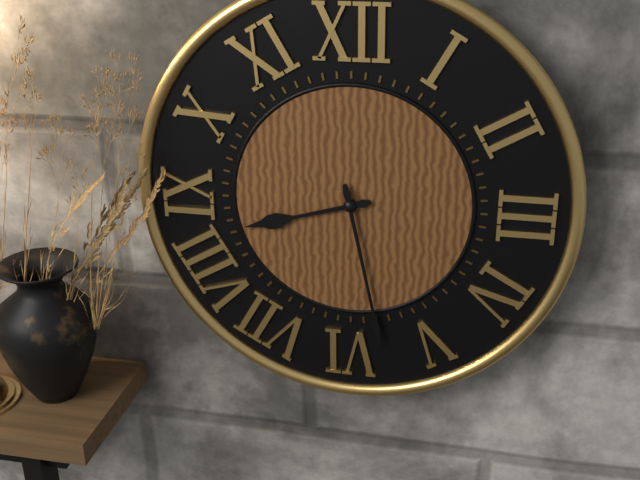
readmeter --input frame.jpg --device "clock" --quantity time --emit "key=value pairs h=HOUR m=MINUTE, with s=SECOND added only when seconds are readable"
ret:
h=8 m=28
